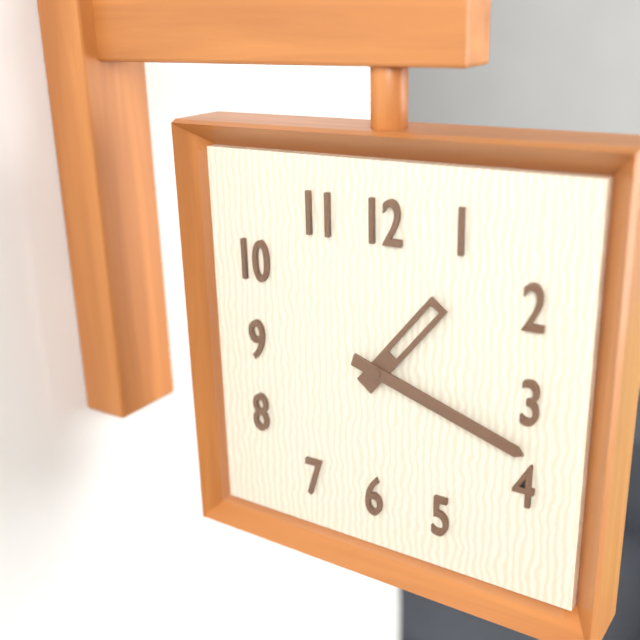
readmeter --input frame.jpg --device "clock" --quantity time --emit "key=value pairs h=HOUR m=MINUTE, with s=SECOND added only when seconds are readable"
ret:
h=1 m=18
